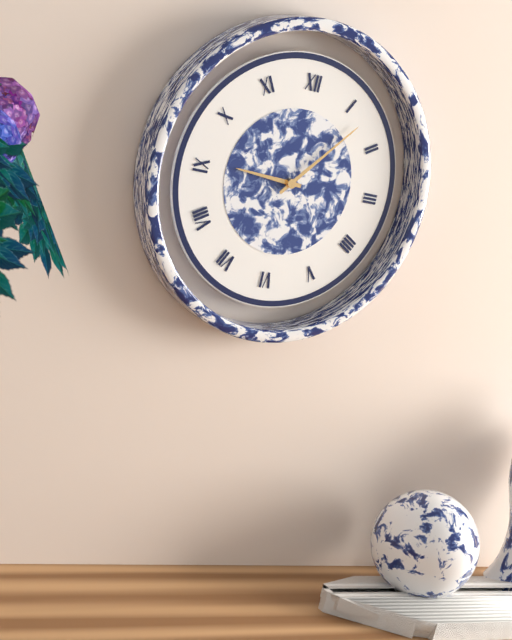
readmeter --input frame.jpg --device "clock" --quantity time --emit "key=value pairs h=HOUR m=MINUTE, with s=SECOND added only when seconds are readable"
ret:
h=9 m=7
